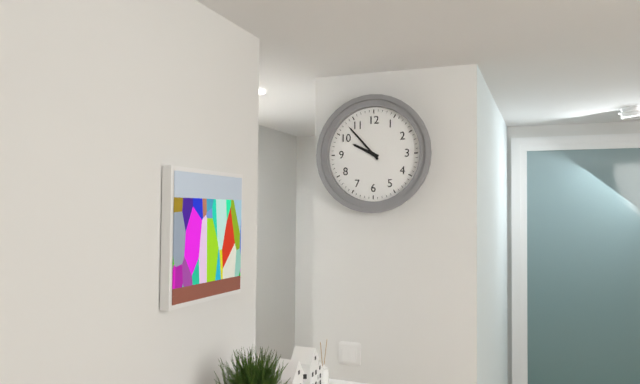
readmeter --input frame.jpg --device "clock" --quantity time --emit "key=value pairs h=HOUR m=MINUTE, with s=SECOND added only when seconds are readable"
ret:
h=9 m=53
